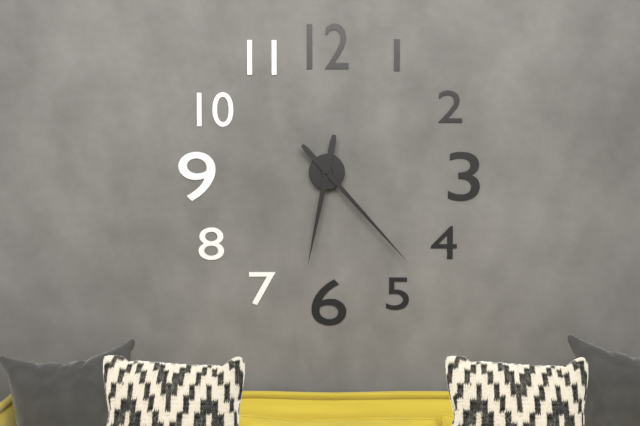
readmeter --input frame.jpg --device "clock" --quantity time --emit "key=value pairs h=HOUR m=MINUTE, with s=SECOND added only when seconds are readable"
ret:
h=6 m=23
